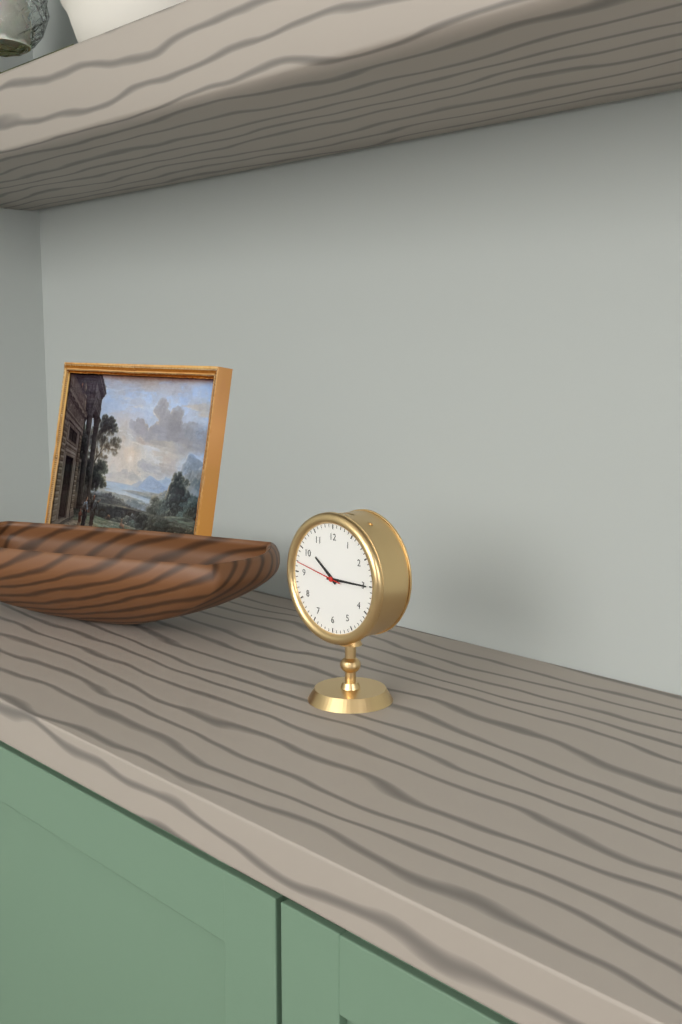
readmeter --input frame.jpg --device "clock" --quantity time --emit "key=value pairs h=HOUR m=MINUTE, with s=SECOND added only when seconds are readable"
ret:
h=10 m=15
